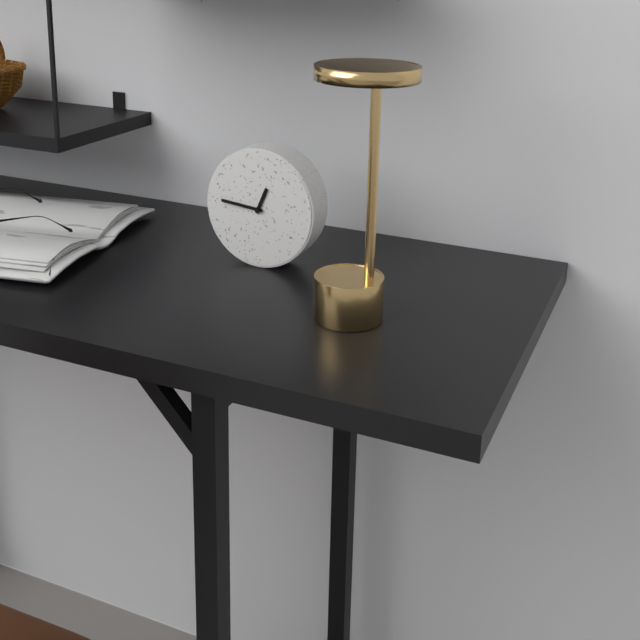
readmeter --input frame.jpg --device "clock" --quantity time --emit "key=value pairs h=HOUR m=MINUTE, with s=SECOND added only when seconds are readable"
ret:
h=12 m=46
